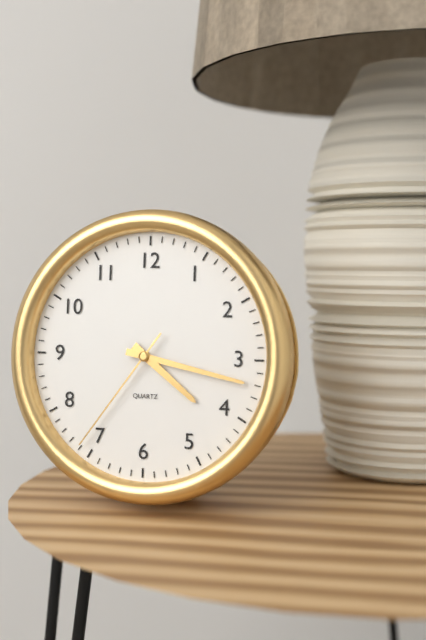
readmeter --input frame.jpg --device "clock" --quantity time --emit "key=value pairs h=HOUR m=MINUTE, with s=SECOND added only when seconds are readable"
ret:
h=4 m=17 s=36
